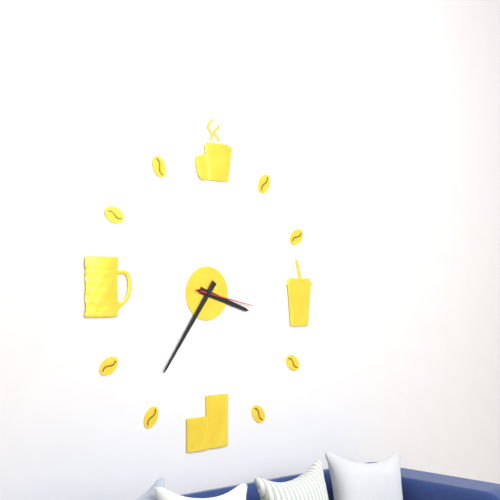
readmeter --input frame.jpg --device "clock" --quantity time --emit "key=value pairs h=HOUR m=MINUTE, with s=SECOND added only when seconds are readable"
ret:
h=3 m=36 s=17
